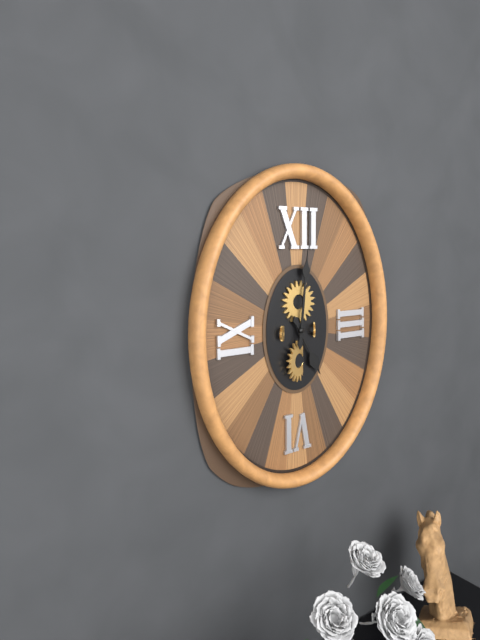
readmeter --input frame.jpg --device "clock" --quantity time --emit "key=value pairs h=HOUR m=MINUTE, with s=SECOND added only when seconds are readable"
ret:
h=5 m=1
